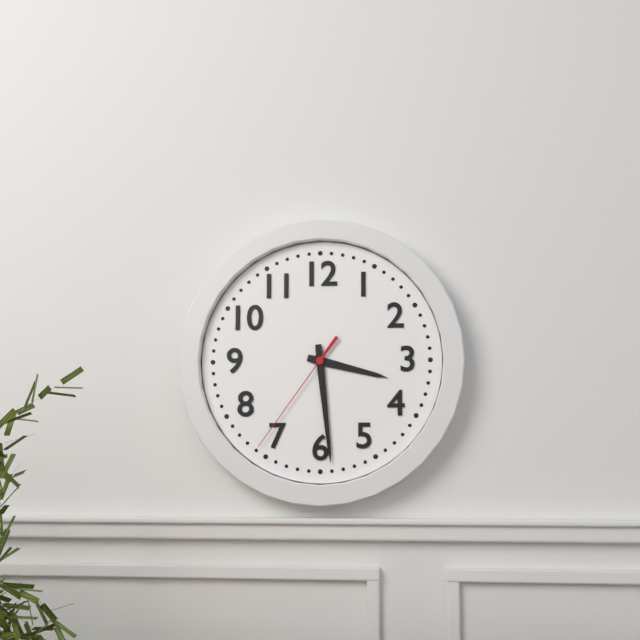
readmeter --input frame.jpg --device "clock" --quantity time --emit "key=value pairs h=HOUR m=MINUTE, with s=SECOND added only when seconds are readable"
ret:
h=3 m=29 s=36
